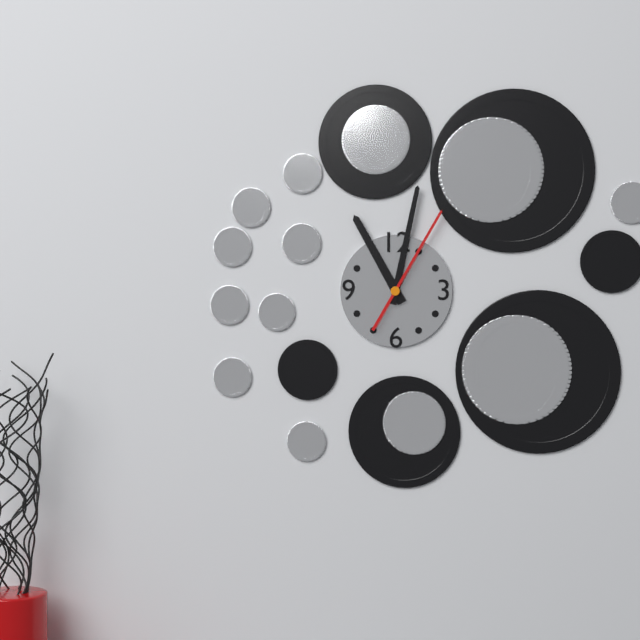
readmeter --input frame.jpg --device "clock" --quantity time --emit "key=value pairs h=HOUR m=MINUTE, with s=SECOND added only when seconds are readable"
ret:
h=11 m=2 s=5
